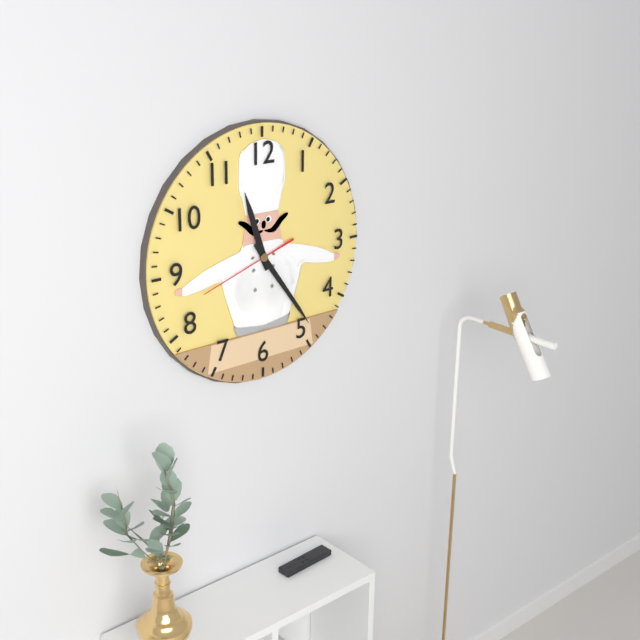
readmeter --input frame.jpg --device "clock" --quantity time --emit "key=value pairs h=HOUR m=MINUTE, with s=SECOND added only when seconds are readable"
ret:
h=11 m=24 s=42
